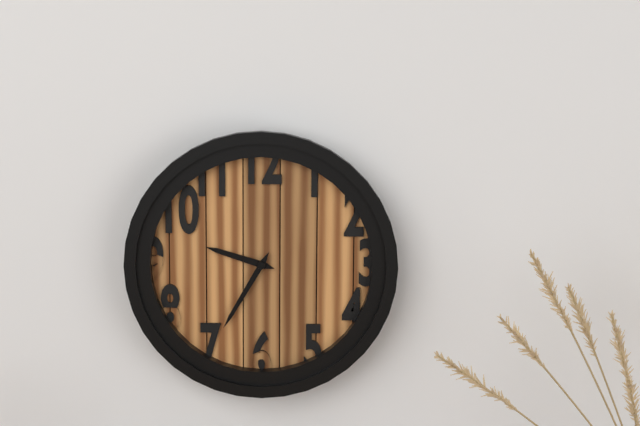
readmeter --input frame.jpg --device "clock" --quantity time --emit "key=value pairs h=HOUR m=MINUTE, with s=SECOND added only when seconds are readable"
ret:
h=9 m=35
